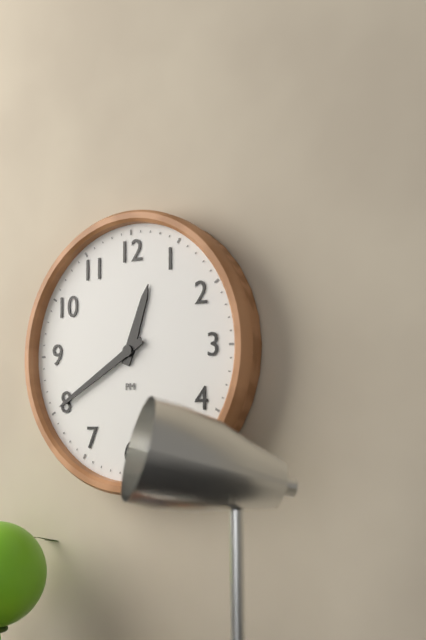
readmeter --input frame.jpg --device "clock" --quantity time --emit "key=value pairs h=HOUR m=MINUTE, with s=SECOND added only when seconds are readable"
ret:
h=12 m=40
